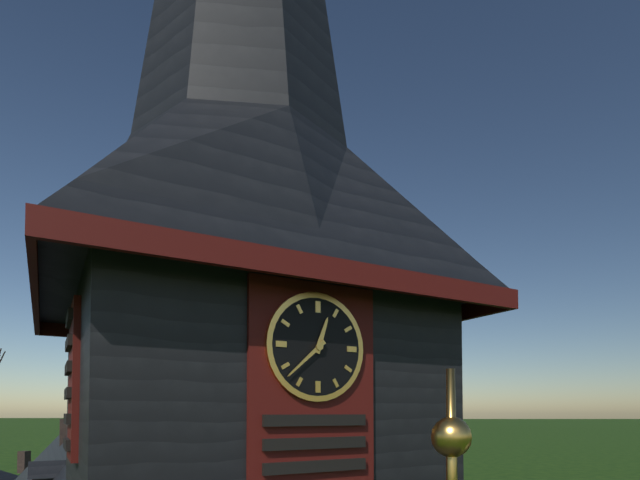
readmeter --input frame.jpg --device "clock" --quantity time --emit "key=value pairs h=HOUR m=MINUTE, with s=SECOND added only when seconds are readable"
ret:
h=12 m=38
